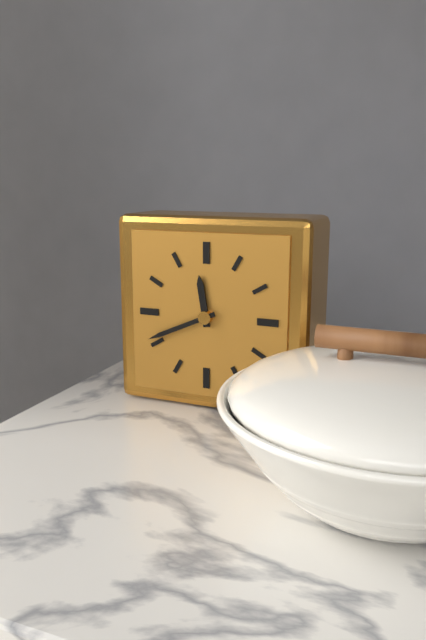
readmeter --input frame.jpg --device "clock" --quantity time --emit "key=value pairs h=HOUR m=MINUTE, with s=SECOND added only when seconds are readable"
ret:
h=11 m=41
